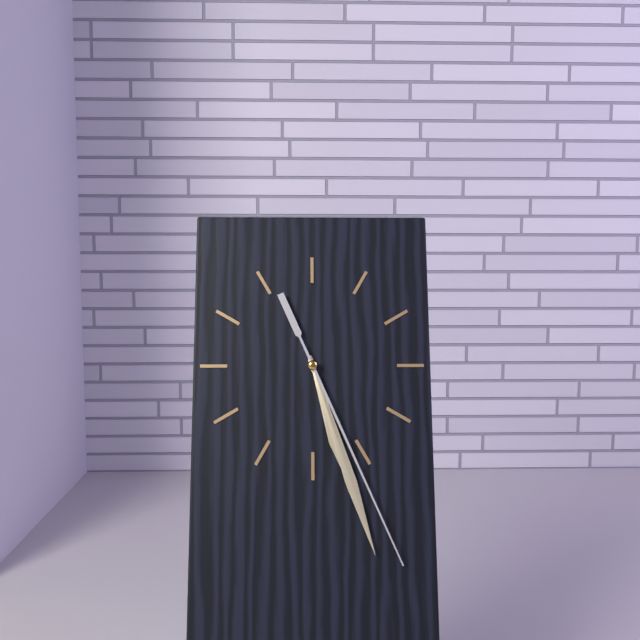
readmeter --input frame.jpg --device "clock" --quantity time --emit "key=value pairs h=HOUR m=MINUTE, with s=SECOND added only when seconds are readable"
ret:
h=5 m=27 s=26
